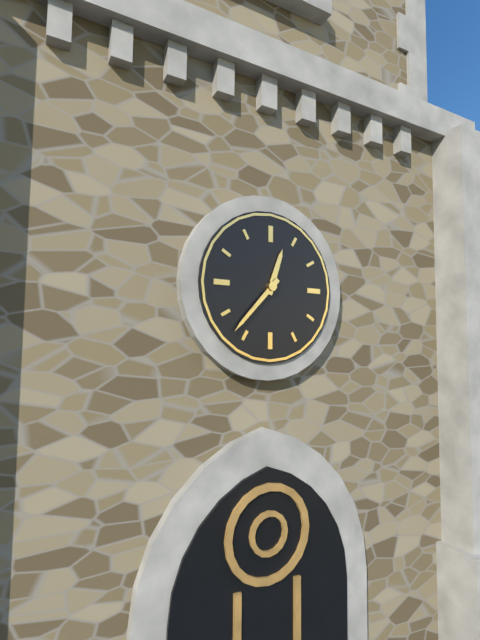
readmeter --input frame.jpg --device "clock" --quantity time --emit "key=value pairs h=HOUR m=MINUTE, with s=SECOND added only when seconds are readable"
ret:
h=12 m=37
